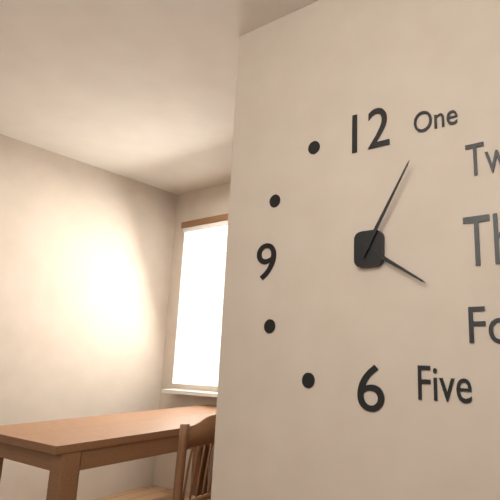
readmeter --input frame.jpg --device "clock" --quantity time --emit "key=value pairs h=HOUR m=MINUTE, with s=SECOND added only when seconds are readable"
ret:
h=4 m=5
